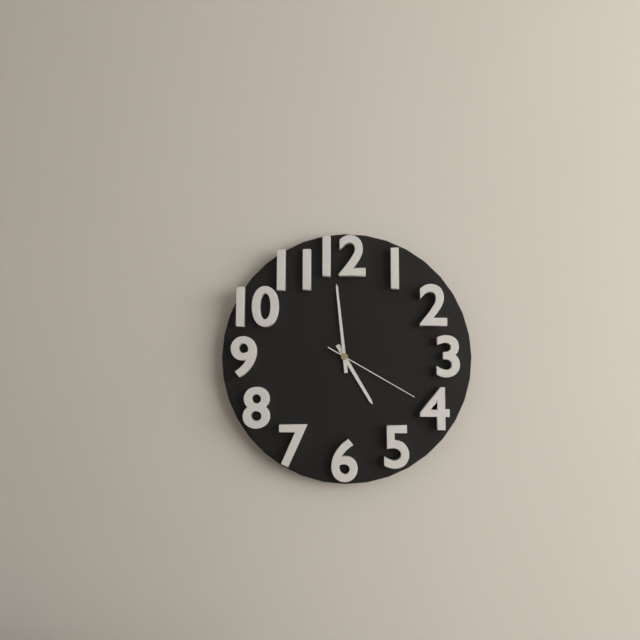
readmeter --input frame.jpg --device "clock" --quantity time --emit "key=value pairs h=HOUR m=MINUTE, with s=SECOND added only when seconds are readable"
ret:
h=4 m=59 s=20
